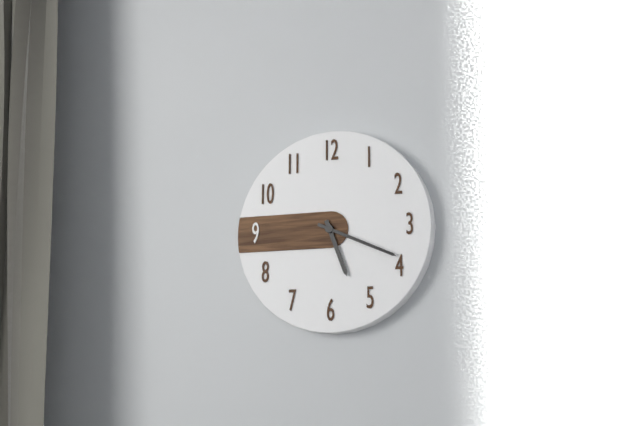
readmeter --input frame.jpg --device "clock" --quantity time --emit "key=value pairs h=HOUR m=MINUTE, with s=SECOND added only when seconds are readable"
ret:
h=5 m=19
